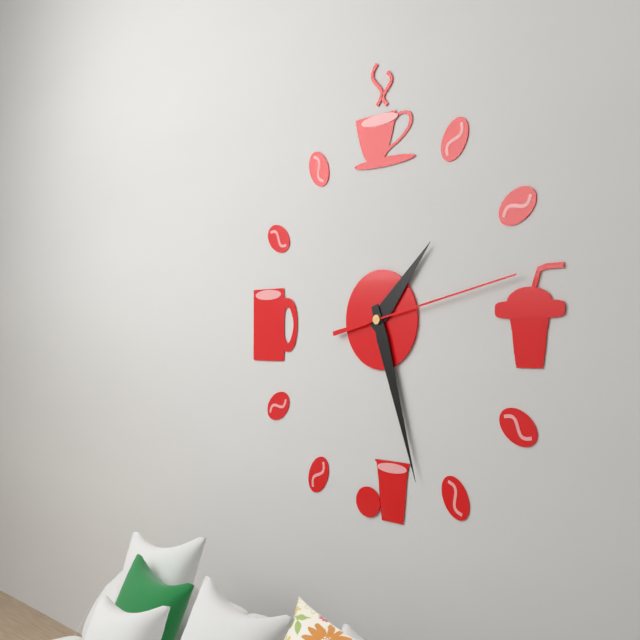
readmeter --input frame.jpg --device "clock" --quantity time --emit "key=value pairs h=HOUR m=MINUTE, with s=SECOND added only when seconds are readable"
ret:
h=1 m=27 s=13
